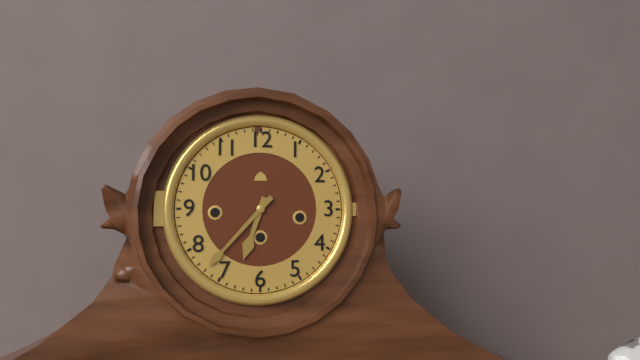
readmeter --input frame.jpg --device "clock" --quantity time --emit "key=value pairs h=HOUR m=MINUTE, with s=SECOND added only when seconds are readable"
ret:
h=6 m=37
